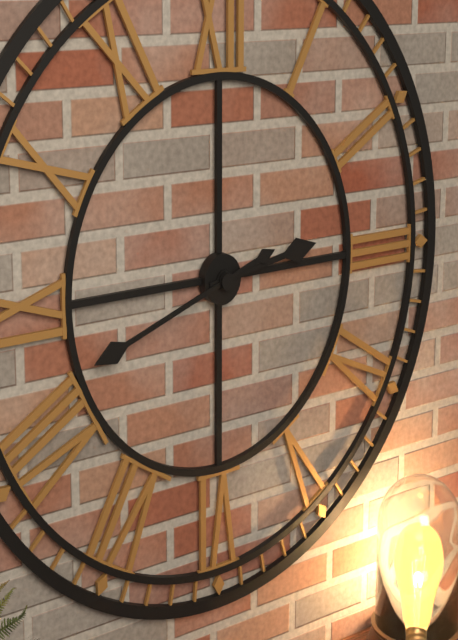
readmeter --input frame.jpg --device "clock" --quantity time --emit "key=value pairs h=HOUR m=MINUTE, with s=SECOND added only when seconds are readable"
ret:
h=2 m=42
